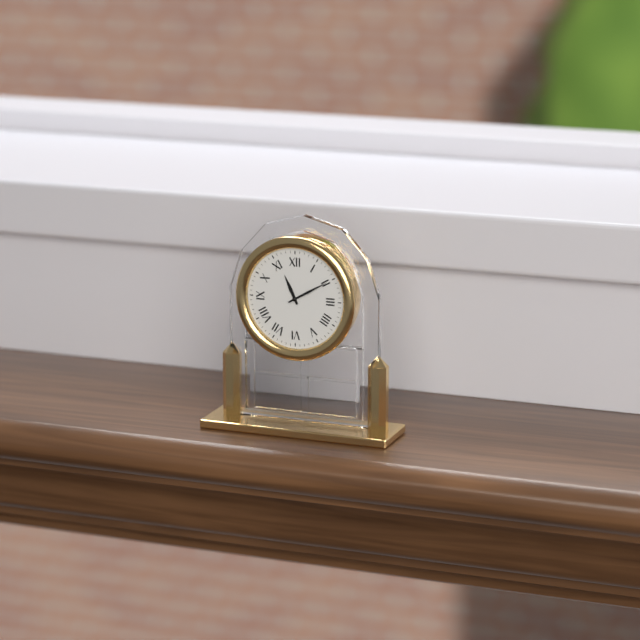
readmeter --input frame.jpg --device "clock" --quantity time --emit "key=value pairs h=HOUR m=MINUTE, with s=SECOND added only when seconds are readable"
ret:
h=11 m=10
